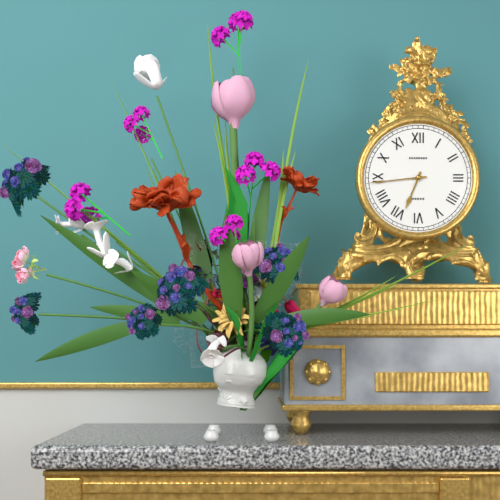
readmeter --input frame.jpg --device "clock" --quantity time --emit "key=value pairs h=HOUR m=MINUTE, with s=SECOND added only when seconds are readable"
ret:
h=6 m=44
